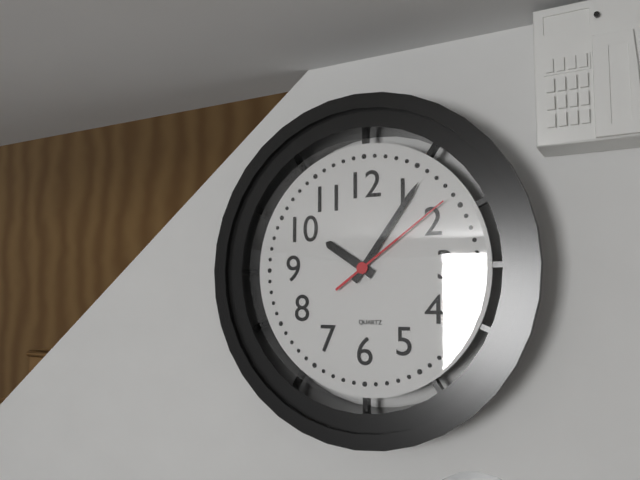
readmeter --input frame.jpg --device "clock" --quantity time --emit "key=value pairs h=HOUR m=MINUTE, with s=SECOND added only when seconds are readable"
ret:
h=10 m=6 s=9
